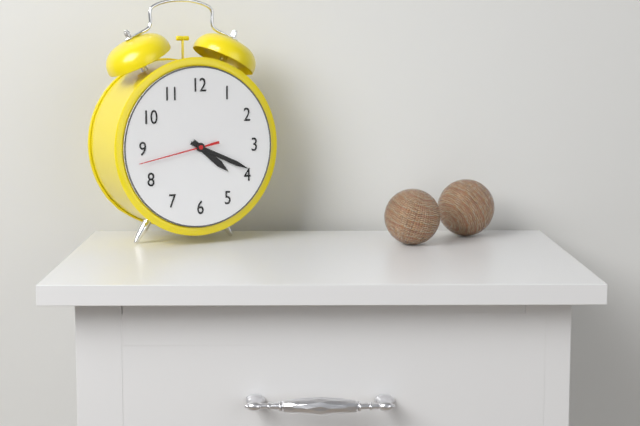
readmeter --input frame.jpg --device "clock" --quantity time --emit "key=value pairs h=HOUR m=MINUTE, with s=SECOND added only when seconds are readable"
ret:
h=4 m=19 s=43
